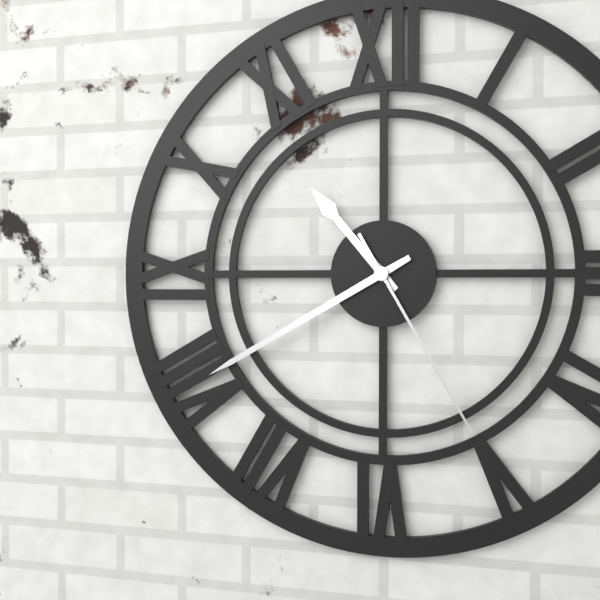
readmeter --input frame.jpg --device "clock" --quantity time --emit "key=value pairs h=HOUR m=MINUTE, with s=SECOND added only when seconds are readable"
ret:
h=10 m=40 s=25
